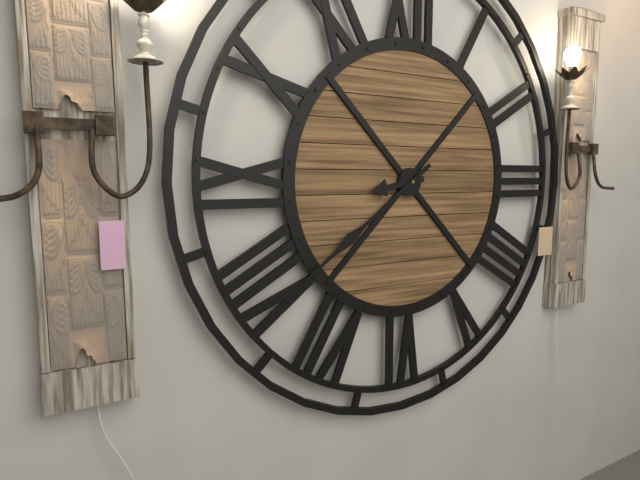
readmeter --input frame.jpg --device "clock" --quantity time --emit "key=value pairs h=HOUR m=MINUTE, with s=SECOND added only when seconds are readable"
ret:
h=8 m=39
